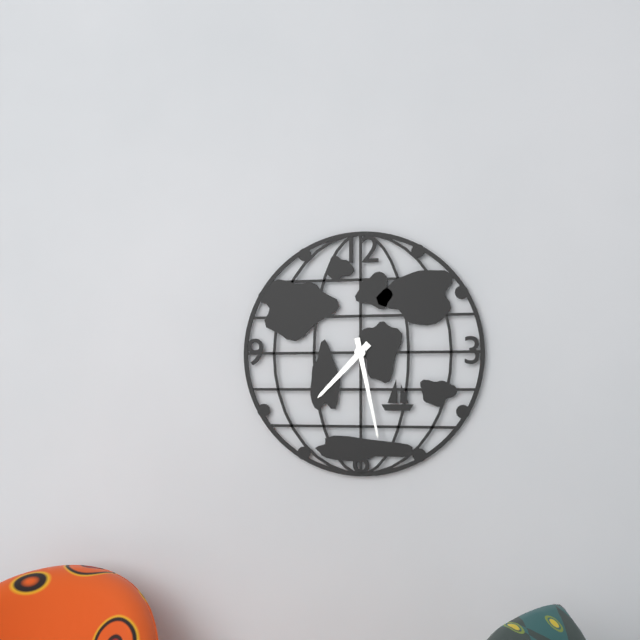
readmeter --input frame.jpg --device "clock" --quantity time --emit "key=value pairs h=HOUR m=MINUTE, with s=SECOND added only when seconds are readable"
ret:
h=7 m=28
